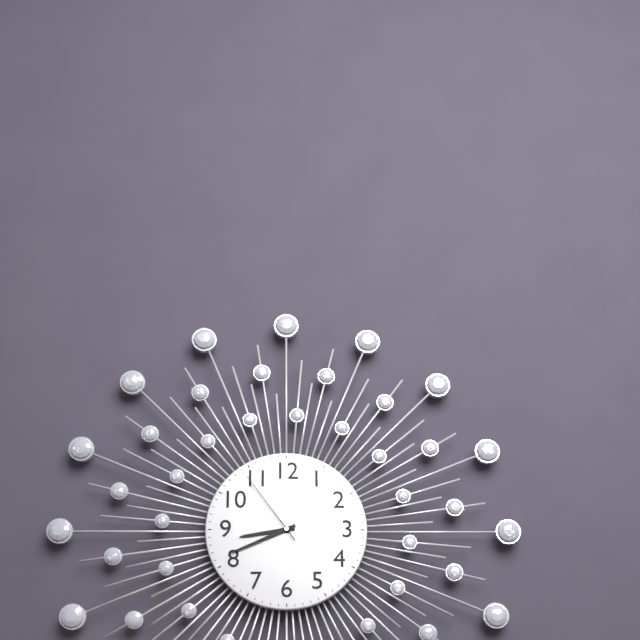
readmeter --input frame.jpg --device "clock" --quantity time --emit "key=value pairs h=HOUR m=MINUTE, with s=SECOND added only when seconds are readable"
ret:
h=8 m=41 s=54
